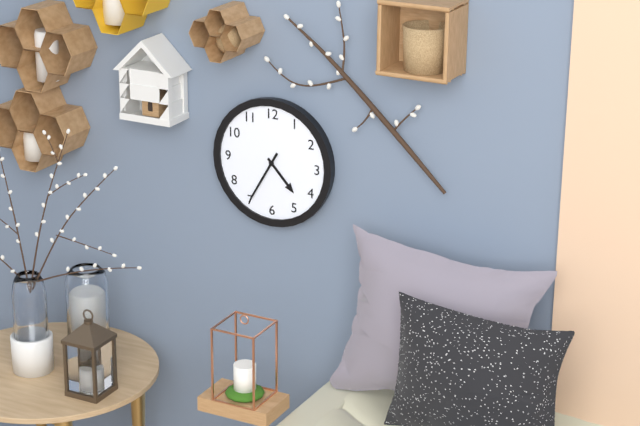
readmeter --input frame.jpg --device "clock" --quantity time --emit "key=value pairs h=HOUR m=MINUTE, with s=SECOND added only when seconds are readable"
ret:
h=4 m=35
